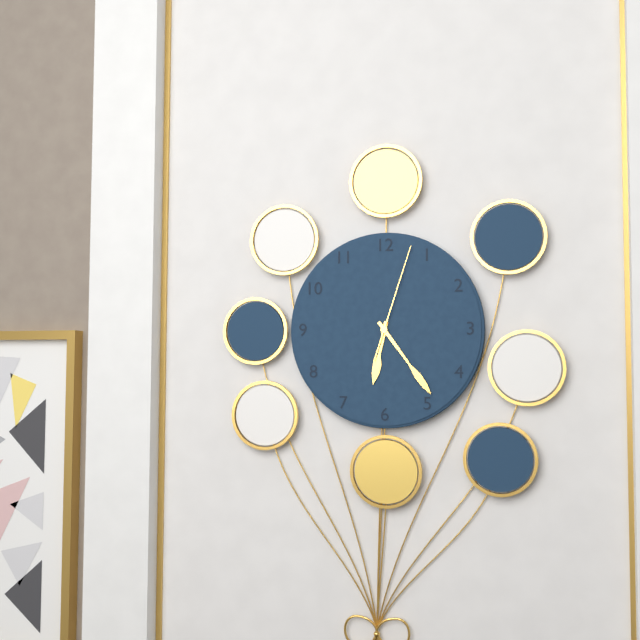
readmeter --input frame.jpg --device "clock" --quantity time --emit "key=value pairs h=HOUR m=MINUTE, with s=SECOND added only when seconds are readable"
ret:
h=6 m=24 s=3
